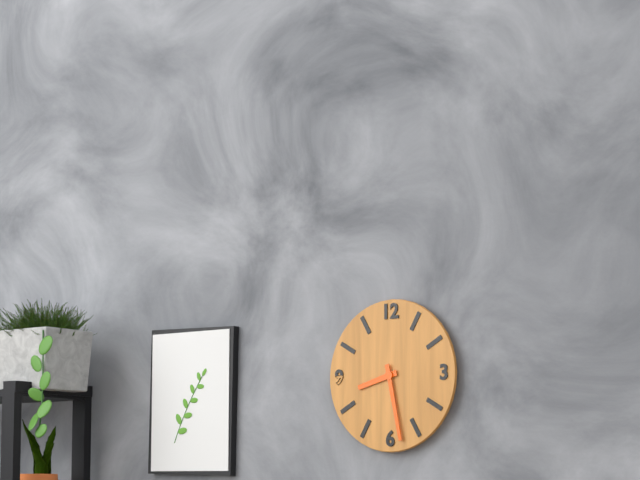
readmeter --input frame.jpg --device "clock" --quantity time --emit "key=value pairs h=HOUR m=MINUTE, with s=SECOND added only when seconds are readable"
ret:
h=8 m=28
